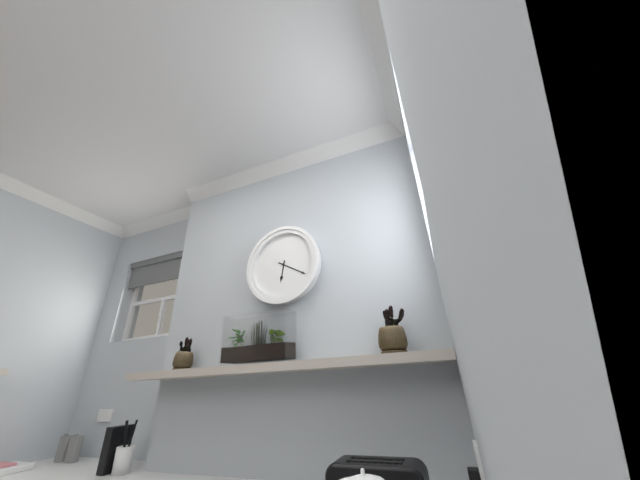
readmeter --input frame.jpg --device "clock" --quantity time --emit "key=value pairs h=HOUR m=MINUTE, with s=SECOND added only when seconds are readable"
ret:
h=6 m=20
